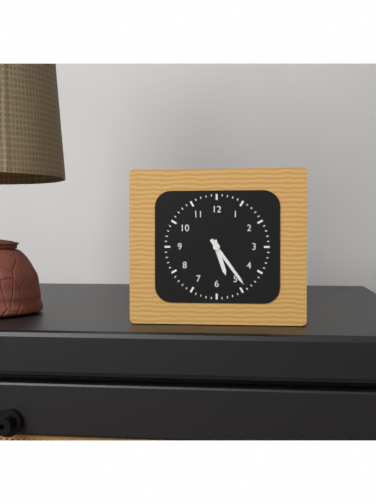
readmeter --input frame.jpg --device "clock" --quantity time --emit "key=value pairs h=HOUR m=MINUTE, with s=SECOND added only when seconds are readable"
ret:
h=5 m=24
